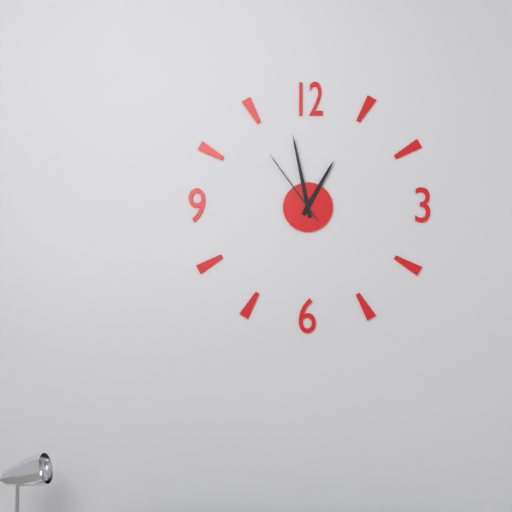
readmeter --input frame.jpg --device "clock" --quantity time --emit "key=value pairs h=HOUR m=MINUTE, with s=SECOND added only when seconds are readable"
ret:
h=12 m=58 s=54
